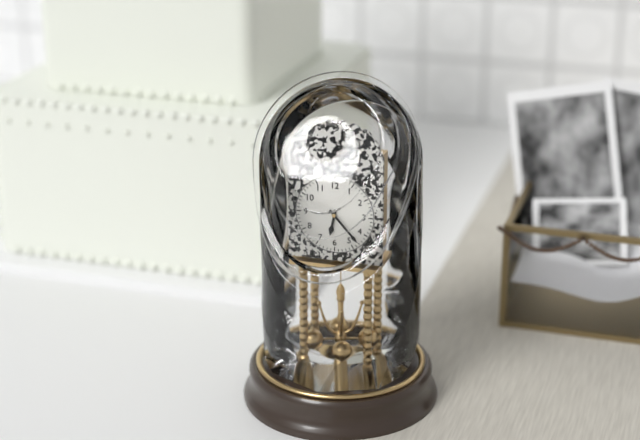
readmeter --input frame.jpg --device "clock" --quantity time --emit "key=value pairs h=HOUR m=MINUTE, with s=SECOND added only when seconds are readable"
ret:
h=6 m=23
